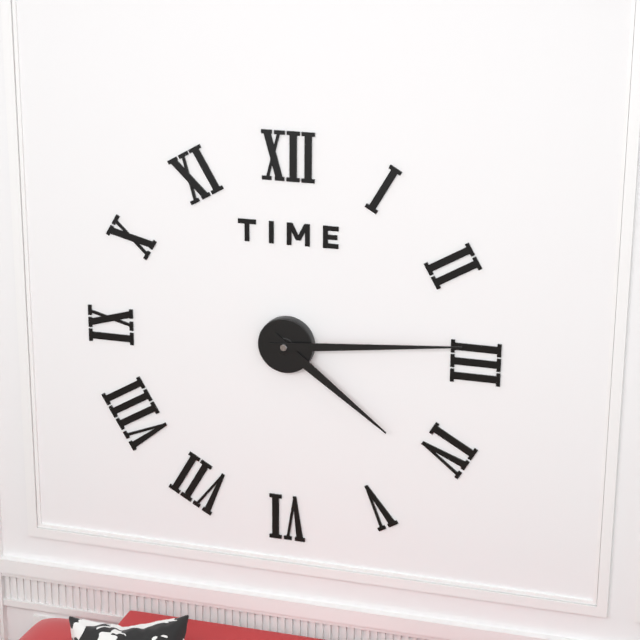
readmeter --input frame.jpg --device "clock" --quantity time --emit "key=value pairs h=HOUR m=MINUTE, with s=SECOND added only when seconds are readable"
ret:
h=4 m=14
